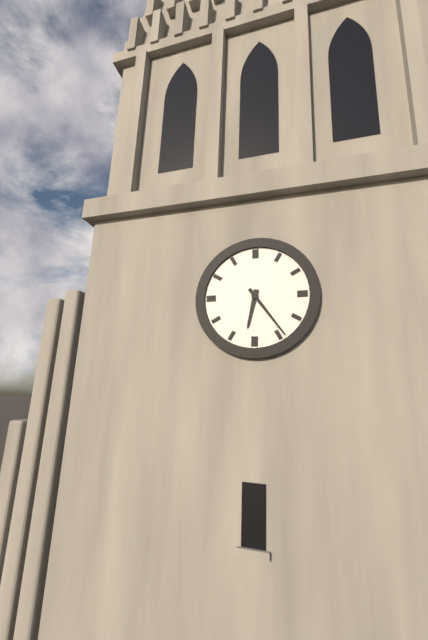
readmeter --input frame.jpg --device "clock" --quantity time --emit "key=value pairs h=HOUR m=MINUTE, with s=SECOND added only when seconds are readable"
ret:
h=6 m=24
